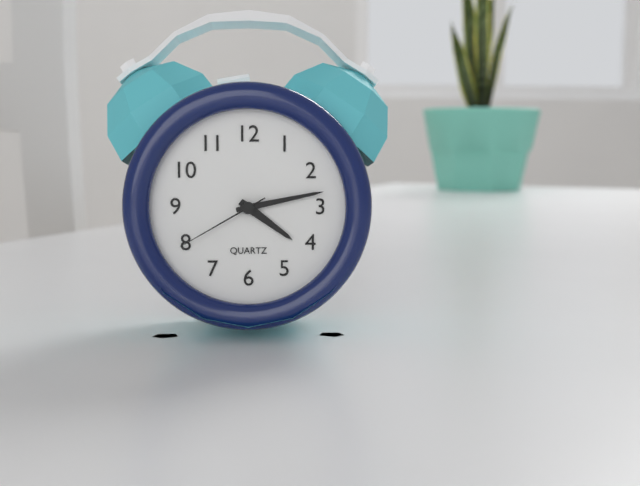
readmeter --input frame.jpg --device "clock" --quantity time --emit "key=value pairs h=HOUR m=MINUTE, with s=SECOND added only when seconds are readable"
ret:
h=4 m=13 s=40
